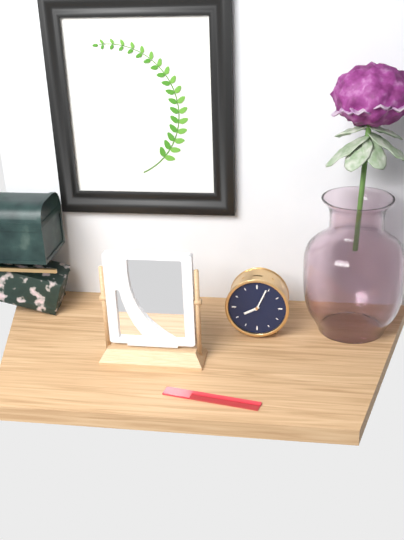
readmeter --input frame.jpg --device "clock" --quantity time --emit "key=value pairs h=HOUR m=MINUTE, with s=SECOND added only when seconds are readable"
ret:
h=8 m=4
